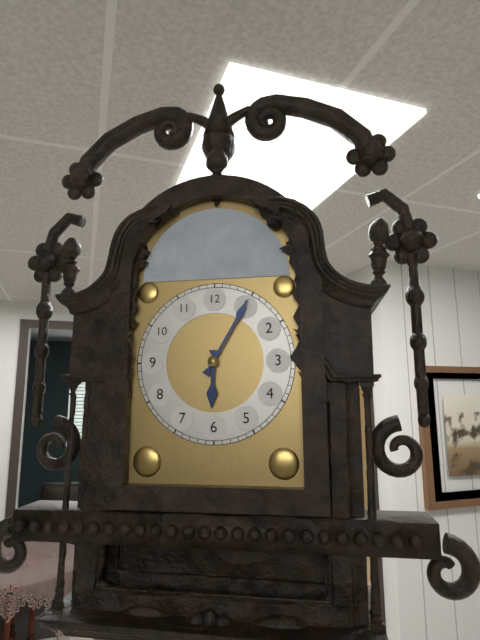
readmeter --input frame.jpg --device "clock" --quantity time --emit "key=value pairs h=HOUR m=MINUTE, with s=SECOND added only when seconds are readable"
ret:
h=6 m=5
